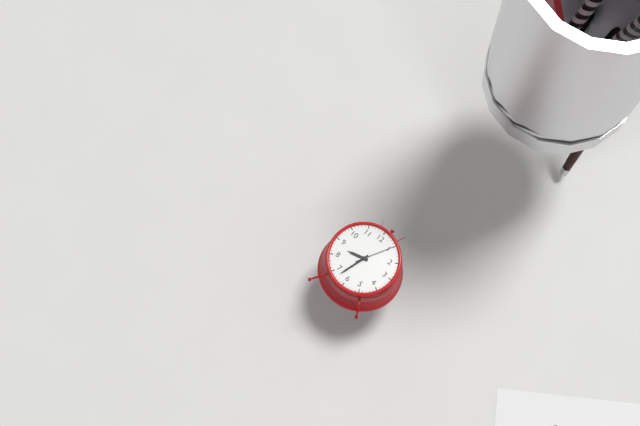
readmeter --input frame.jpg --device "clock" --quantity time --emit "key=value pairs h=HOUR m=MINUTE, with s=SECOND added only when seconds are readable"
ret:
h=8 m=33
